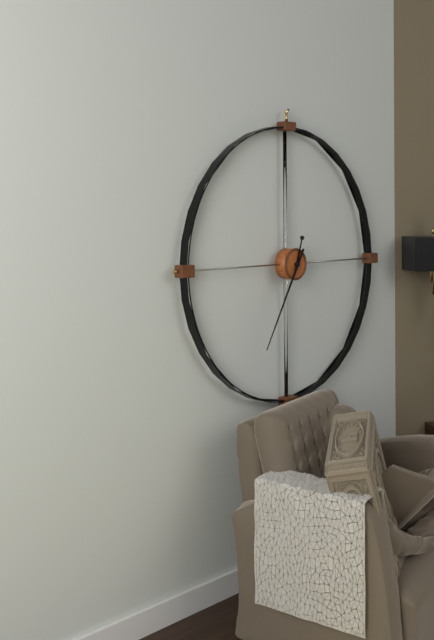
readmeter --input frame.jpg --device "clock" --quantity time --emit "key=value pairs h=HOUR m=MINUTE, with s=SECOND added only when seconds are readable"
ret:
h=12 m=35
